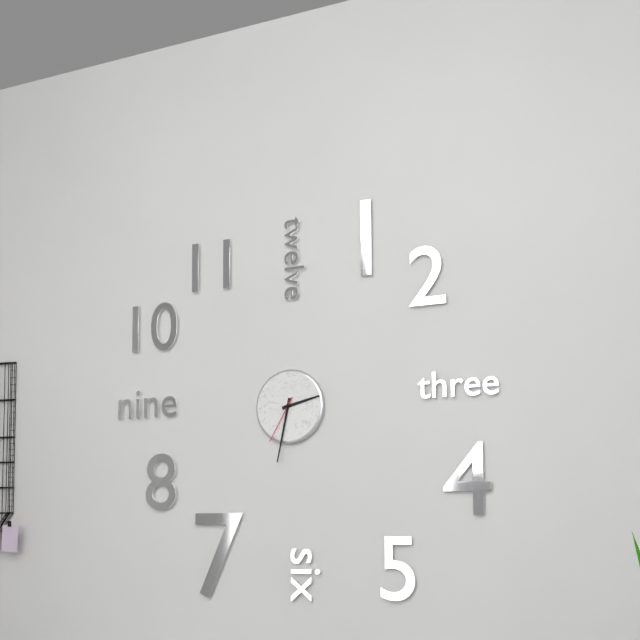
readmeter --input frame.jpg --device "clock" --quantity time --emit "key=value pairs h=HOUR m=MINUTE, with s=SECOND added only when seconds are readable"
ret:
h=2 m=32
